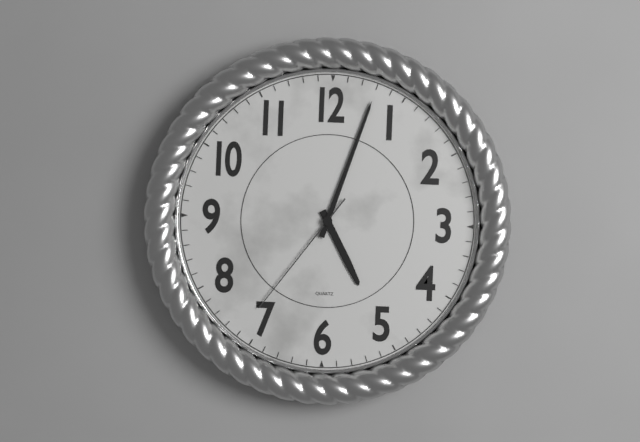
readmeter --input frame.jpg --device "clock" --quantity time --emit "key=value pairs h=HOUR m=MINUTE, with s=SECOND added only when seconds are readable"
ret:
h=5 m=3 s=36
